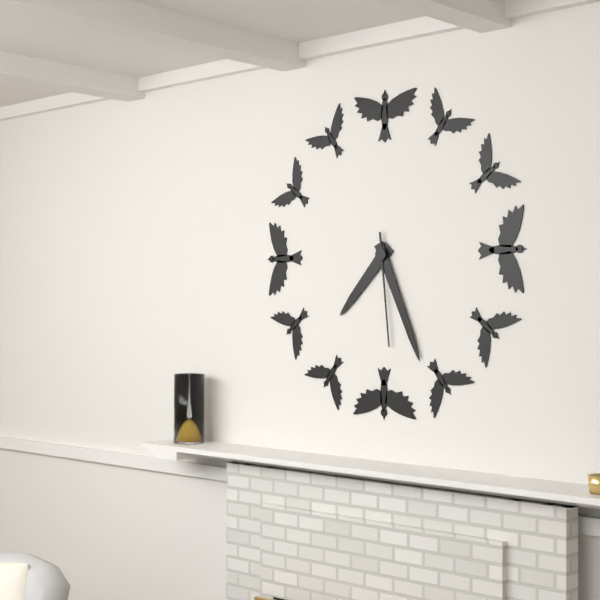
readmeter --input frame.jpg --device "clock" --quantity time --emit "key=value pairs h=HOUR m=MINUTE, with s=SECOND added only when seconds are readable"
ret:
h=7 m=26 s=29
